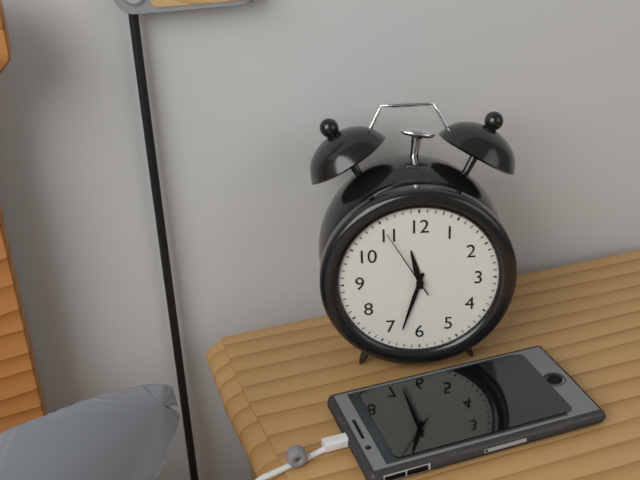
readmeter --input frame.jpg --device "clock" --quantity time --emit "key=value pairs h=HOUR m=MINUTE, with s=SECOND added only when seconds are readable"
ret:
h=11 m=33 s=55
